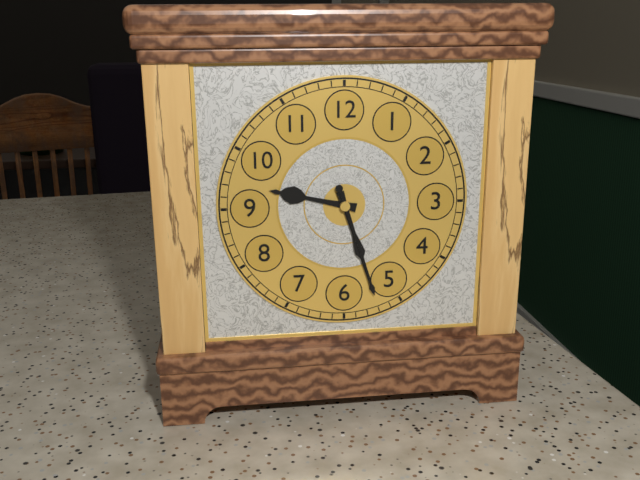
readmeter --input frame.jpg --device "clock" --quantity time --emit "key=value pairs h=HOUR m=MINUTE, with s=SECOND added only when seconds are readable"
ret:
h=9 m=27 s=27
